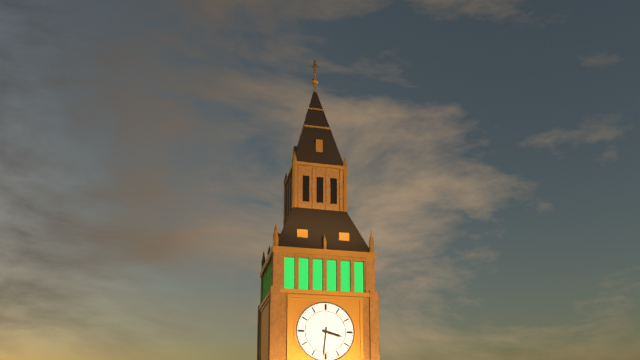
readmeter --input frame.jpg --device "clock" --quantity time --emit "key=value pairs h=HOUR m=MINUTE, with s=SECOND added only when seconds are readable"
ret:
h=3 m=31
